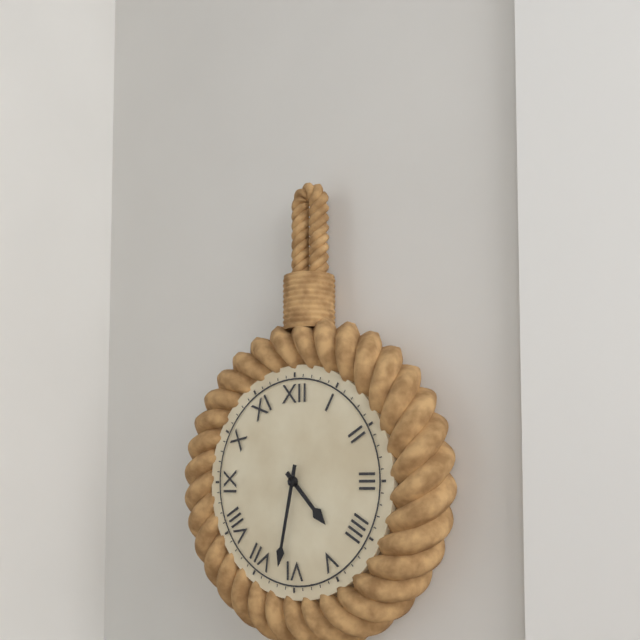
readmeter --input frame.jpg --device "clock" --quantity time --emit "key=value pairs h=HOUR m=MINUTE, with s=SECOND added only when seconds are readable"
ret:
h=4 m=32
